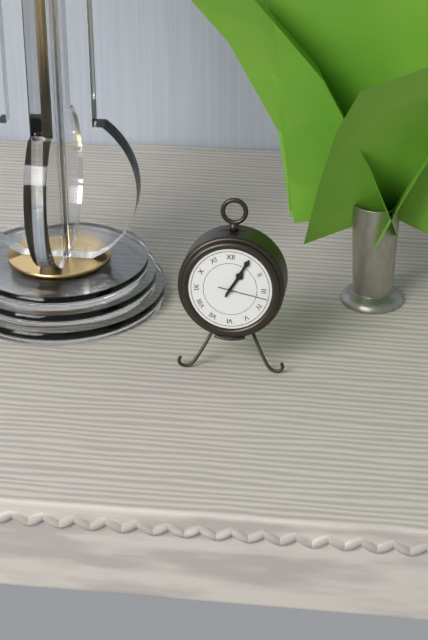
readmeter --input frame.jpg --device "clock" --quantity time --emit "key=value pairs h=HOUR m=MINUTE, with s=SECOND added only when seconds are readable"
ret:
h=1 m=5
